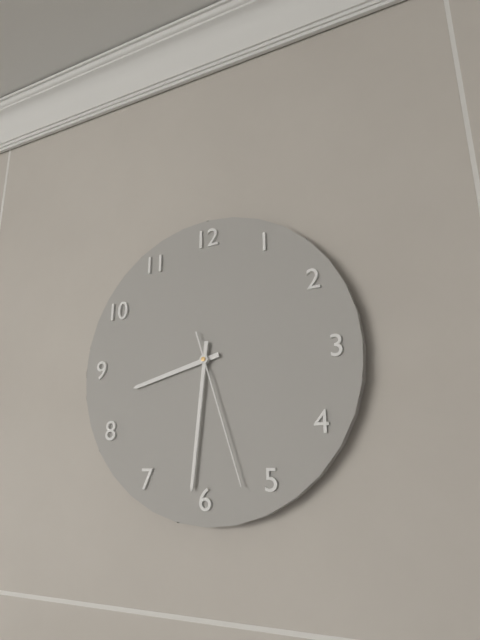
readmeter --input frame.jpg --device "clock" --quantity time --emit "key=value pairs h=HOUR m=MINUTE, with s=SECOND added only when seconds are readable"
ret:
h=8 m=31 s=27
